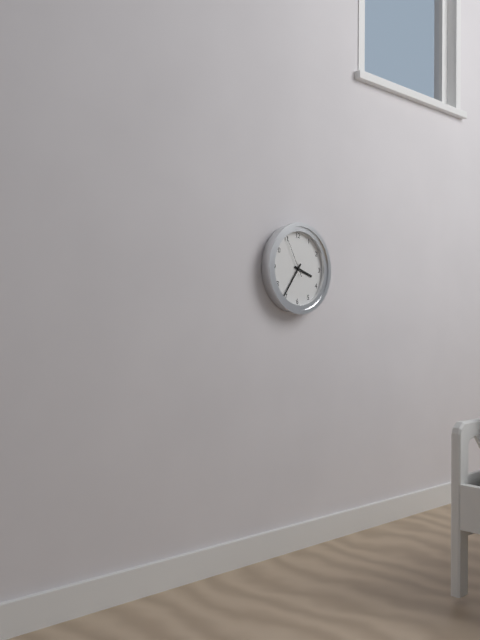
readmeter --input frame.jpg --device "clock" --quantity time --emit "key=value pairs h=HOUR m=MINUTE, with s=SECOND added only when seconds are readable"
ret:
h=3 m=36
